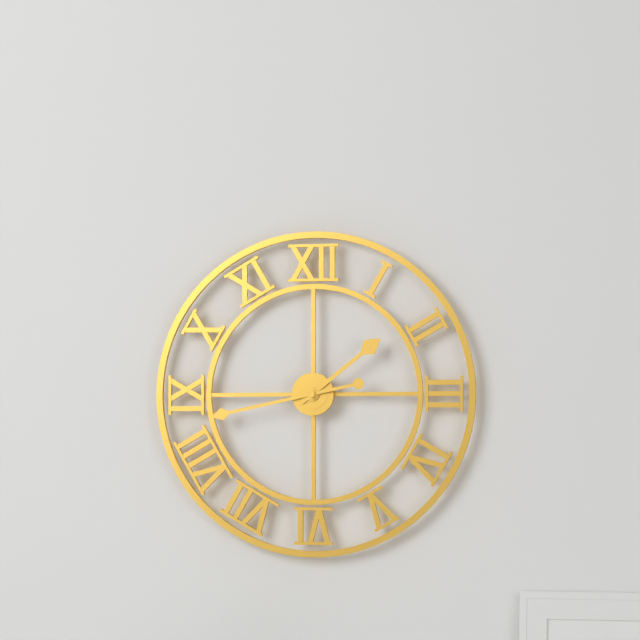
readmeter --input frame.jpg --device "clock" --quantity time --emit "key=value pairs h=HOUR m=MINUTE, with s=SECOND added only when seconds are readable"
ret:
h=1 m=43
